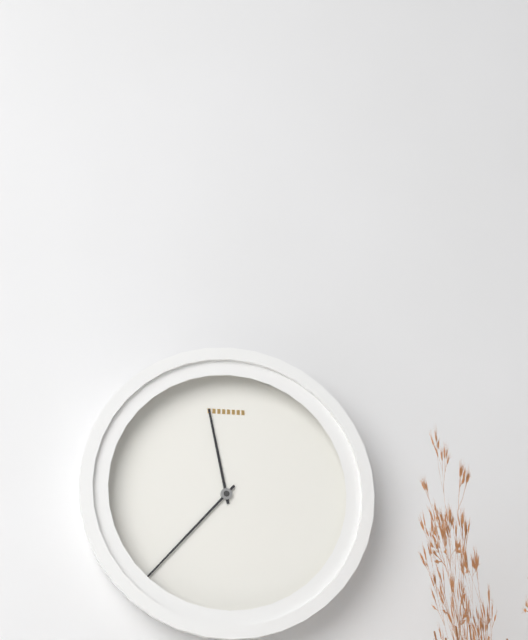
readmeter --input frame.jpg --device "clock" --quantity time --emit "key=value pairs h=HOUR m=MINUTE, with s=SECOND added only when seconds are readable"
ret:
h=11 m=37
